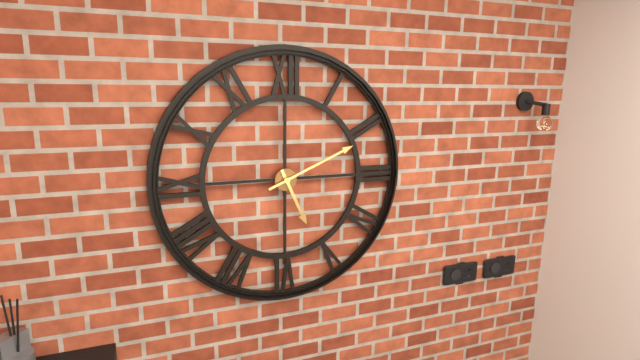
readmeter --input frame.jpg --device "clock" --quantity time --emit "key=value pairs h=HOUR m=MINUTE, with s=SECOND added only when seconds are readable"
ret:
h=5 m=11
